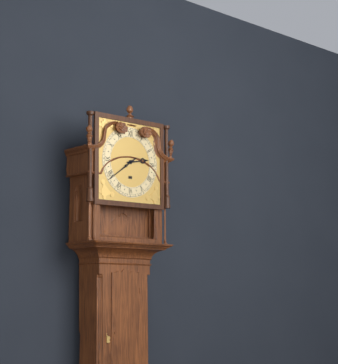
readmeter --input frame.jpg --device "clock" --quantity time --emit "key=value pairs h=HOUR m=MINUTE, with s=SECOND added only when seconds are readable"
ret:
h=2 m=39
